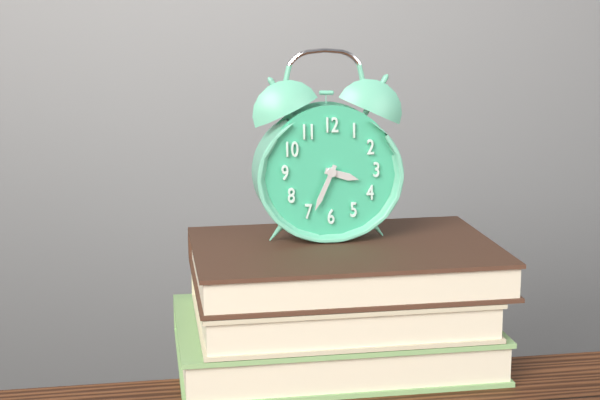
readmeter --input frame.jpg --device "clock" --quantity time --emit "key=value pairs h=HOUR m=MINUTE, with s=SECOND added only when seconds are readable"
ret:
h=3 m=34
